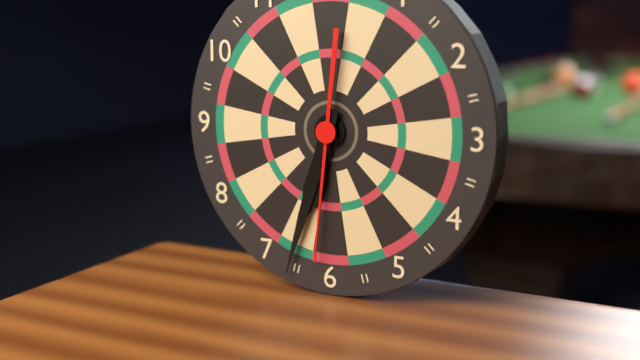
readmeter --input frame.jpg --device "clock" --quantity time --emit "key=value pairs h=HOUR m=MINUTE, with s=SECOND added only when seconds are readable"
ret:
h=6 m=33 s=31
